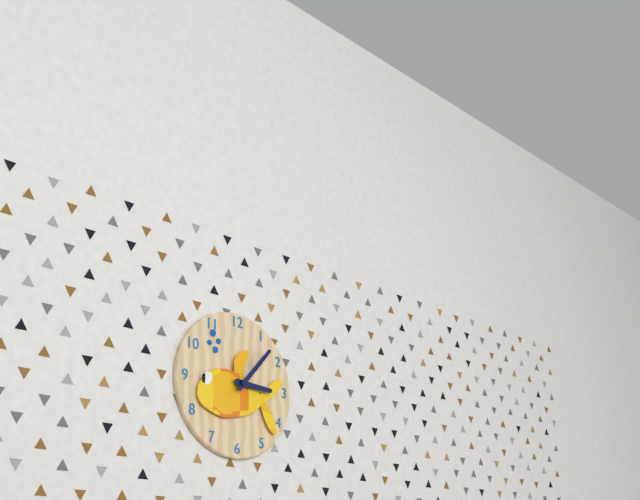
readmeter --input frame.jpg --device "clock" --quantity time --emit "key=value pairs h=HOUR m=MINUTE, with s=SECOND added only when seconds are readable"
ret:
h=3 m=7
